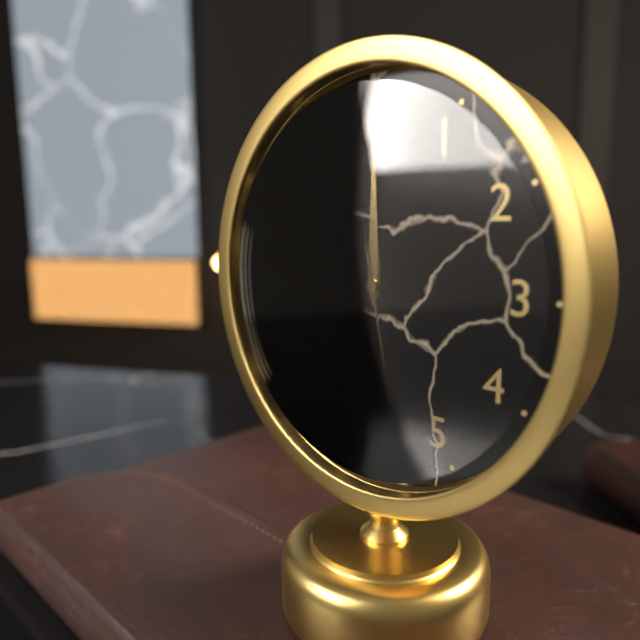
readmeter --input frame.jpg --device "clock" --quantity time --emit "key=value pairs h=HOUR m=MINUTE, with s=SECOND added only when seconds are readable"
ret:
h=12 m=0 s=28
